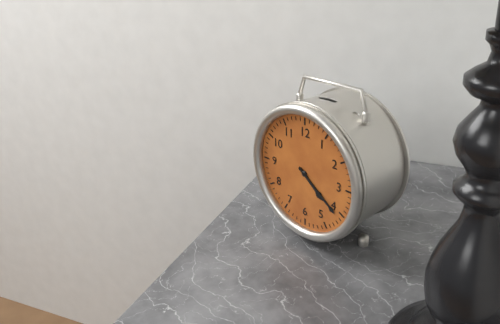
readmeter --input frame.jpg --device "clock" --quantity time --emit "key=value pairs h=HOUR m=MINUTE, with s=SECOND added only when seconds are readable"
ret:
h=4 m=21
